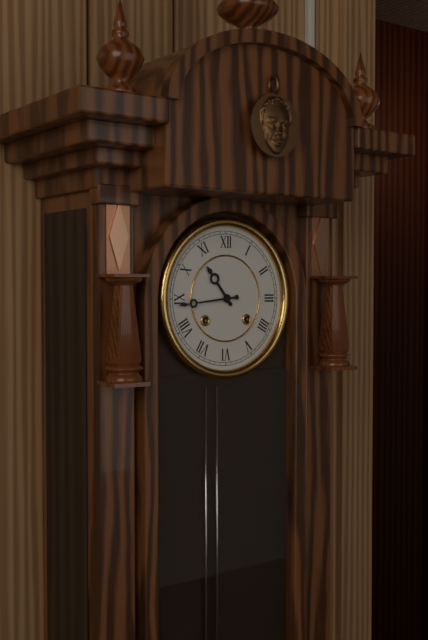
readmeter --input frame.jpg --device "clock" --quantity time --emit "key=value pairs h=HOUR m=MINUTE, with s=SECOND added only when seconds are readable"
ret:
h=10 m=44
